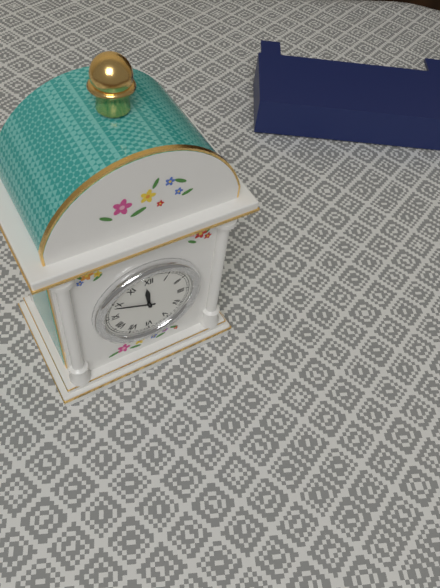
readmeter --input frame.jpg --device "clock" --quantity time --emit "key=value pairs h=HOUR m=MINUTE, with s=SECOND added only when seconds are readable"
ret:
h=11 m=49
